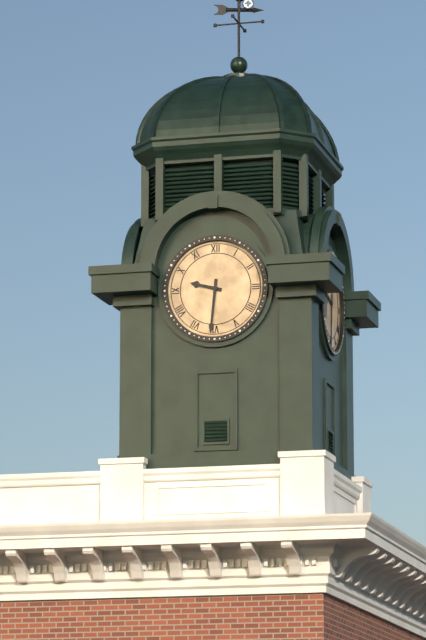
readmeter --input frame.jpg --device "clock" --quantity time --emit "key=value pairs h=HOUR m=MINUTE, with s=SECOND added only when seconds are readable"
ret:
h=9 m=31
